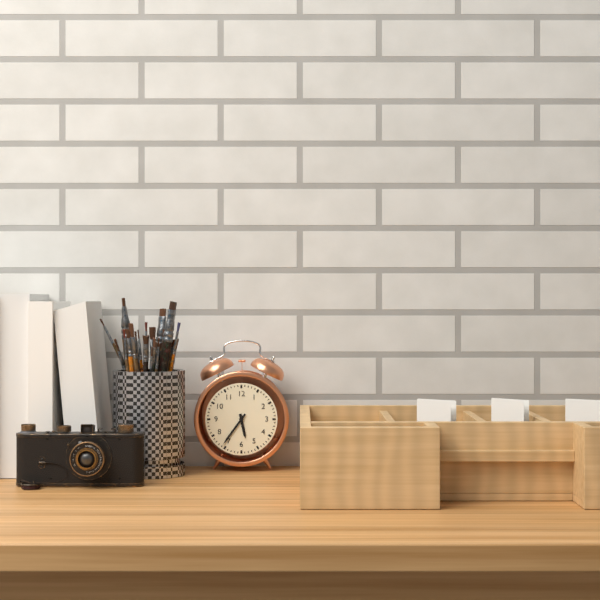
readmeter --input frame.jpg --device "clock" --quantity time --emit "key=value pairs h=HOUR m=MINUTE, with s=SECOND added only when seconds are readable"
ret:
h=5 m=36
